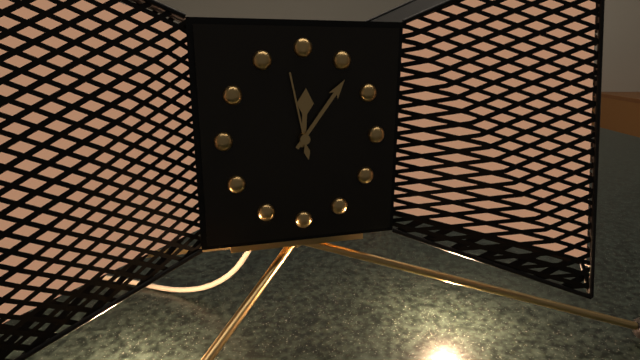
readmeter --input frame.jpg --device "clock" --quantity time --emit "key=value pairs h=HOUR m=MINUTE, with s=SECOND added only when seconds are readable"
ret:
h=12 m=6 s=58
